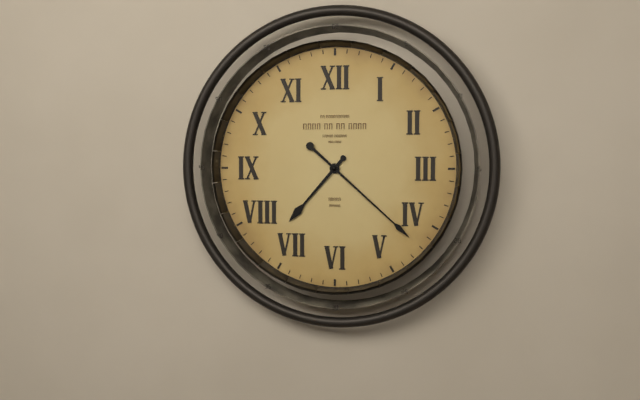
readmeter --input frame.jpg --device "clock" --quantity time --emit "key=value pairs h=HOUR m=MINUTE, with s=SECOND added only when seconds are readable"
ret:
h=7 m=22
